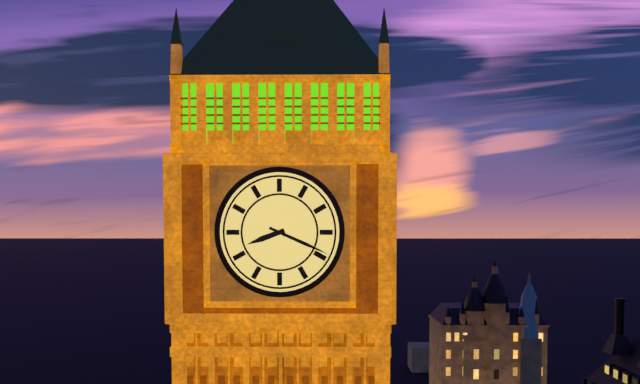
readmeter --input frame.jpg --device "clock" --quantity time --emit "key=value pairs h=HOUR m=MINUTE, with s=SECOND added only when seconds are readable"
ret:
h=8 m=19
